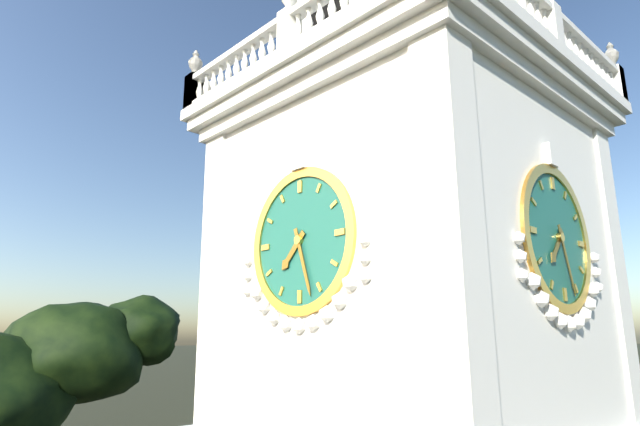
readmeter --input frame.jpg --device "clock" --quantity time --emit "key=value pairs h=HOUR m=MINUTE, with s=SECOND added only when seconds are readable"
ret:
h=7 m=27
